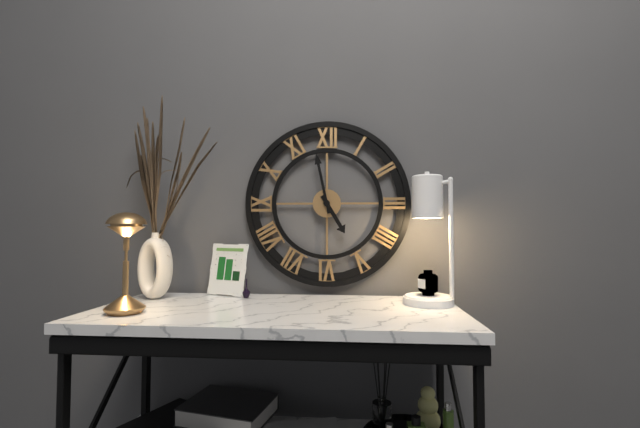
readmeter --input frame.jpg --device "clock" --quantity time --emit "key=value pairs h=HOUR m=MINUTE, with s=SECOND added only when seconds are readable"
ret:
h=4 m=58
